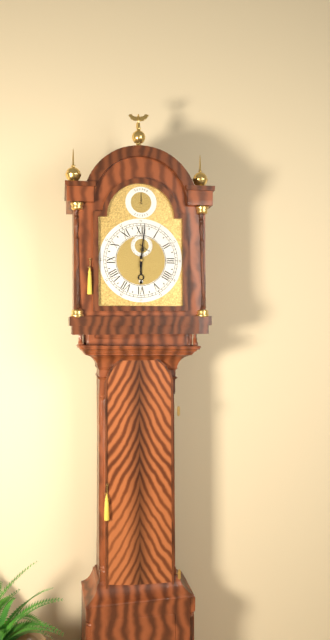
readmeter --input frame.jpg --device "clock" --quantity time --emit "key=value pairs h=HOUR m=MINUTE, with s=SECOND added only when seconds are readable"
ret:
h=6 m=1
